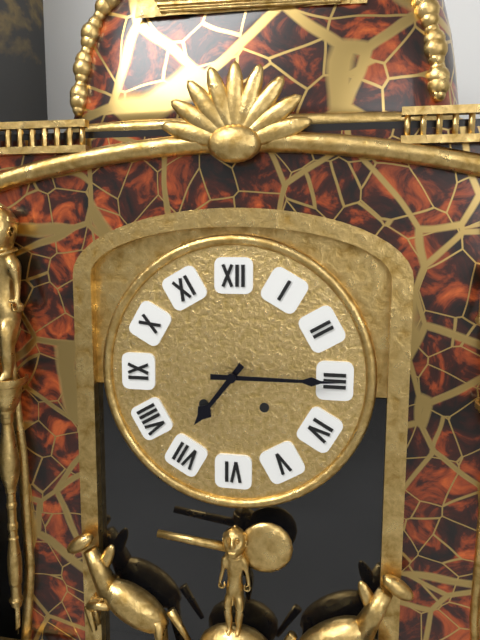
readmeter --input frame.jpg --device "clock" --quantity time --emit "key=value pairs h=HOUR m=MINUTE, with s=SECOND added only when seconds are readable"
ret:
h=7 m=15
